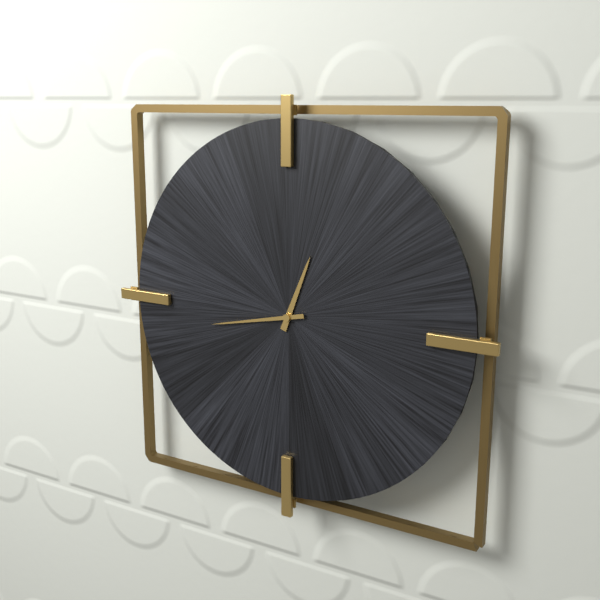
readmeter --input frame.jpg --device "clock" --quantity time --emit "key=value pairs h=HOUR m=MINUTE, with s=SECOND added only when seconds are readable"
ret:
h=12 m=43
